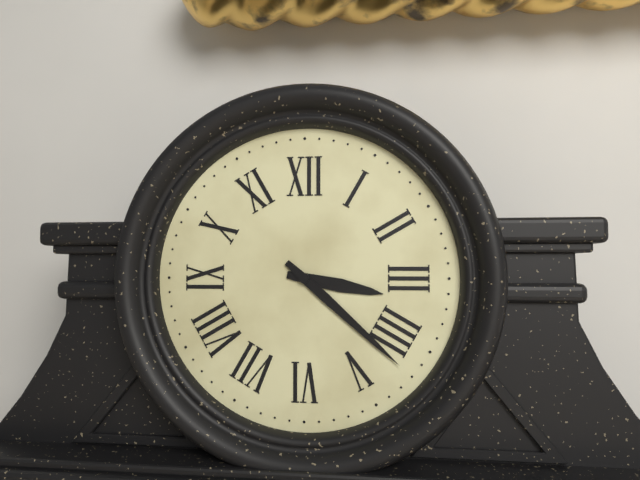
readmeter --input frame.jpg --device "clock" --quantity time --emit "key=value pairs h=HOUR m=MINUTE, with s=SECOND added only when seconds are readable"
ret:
h=3 m=22
